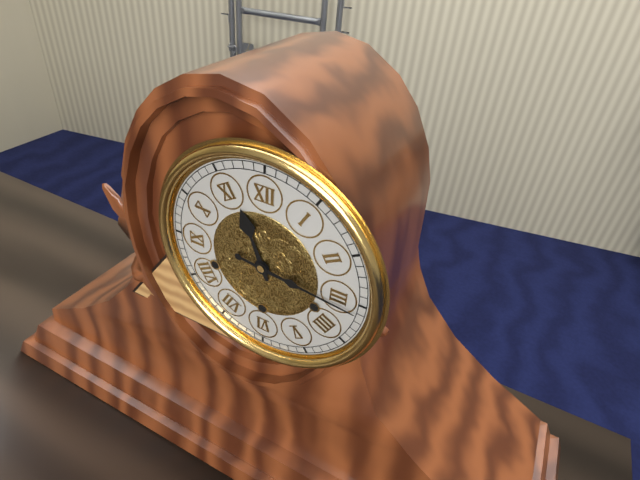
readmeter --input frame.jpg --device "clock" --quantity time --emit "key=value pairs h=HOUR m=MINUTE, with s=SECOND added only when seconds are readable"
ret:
h=11 m=16
